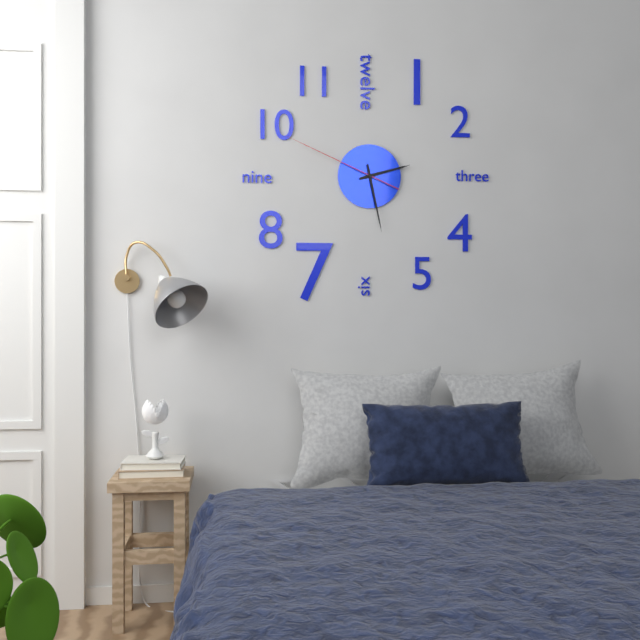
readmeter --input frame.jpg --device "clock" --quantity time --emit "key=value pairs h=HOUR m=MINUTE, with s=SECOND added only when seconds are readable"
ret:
h=2 m=28 s=49
